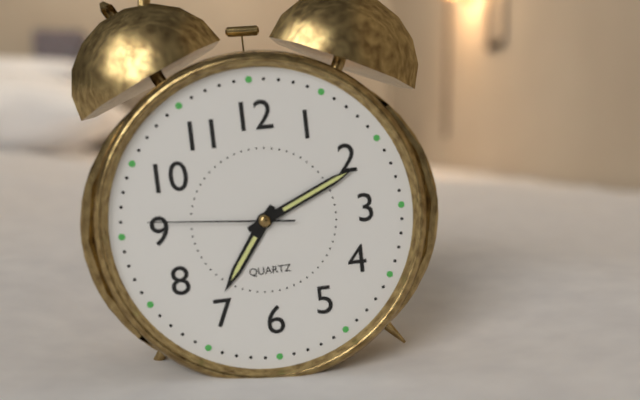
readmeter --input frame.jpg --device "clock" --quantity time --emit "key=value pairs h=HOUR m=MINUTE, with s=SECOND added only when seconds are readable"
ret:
h=7 m=11 s=46
